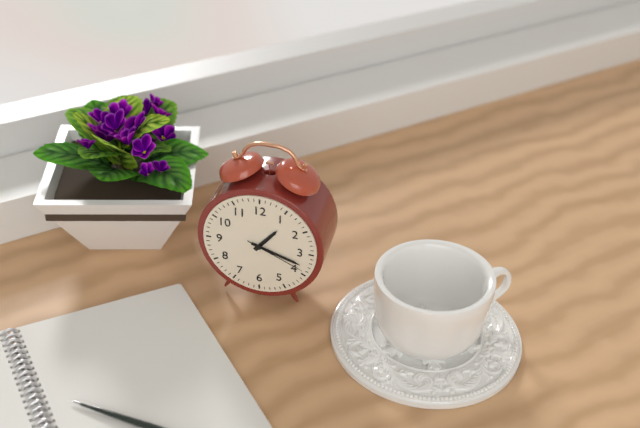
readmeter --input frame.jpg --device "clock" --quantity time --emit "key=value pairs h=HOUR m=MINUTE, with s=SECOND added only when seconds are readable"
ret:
h=1 m=18 s=19
